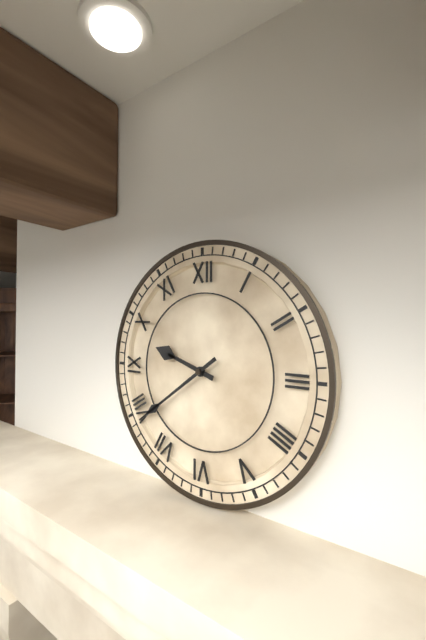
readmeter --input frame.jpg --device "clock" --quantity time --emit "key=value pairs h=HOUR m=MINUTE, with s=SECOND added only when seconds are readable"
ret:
h=9 m=39
